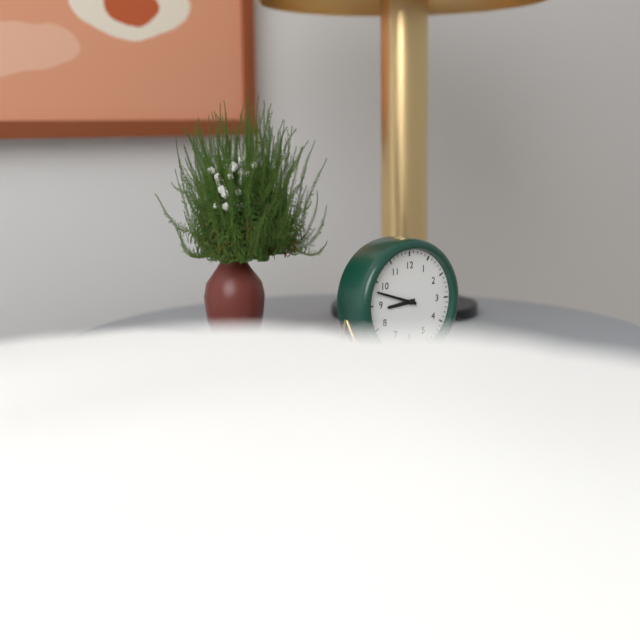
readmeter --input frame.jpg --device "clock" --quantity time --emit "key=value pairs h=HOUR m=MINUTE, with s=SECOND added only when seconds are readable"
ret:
h=8 m=48
